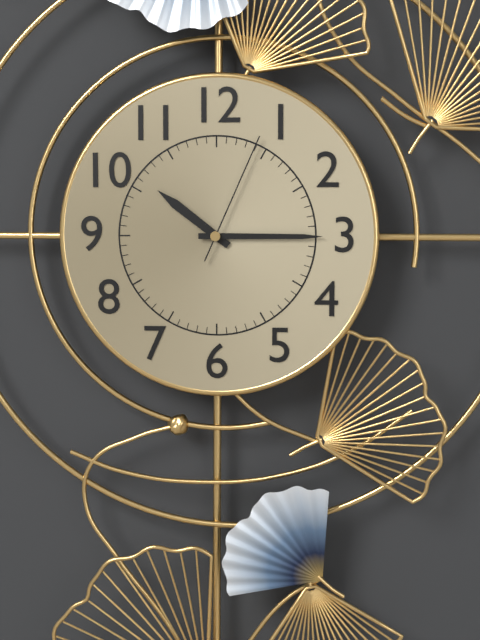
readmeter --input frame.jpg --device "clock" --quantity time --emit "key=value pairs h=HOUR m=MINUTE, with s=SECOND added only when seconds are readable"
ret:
h=10 m=15 s=4
